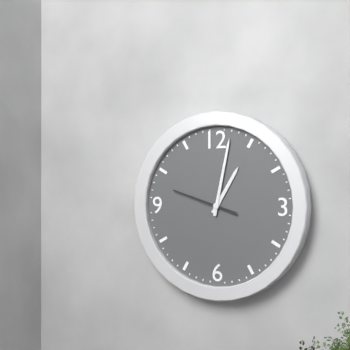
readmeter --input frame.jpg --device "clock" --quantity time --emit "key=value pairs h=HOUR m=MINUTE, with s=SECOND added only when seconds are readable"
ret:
h=1 m=2 s=48
